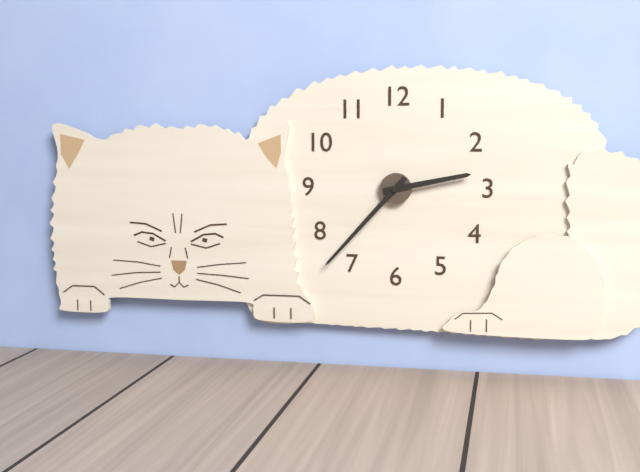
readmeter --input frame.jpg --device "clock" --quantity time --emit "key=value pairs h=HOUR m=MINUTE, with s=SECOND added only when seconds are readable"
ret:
h=2 m=37
